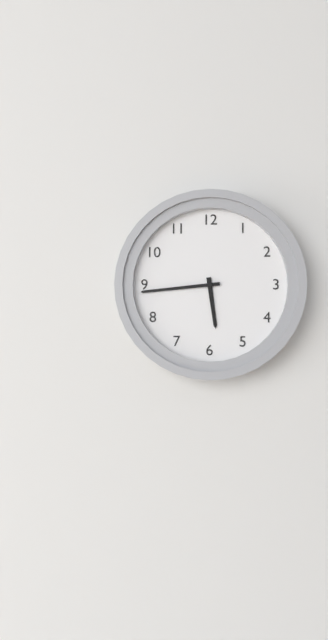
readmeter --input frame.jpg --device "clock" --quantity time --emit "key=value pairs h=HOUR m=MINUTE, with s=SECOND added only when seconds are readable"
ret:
h=5 m=44
